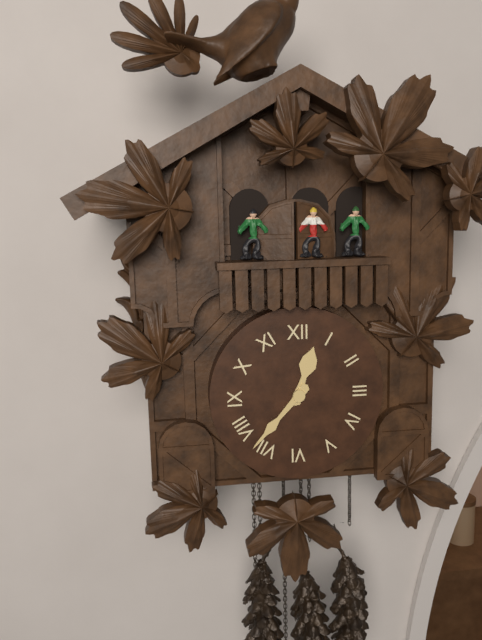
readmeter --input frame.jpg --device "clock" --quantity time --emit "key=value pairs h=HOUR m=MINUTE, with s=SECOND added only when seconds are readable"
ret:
h=12 m=37
